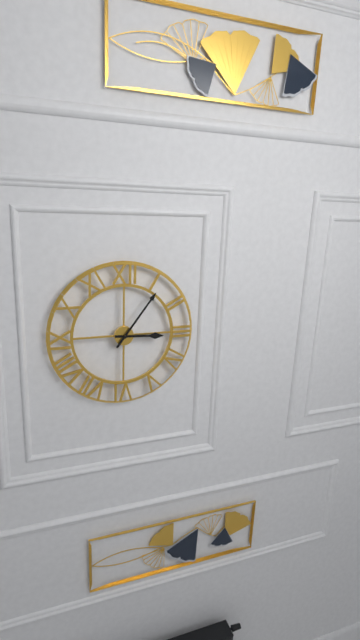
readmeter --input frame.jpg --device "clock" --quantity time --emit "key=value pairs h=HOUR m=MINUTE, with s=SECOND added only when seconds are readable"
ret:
h=3 m=6
